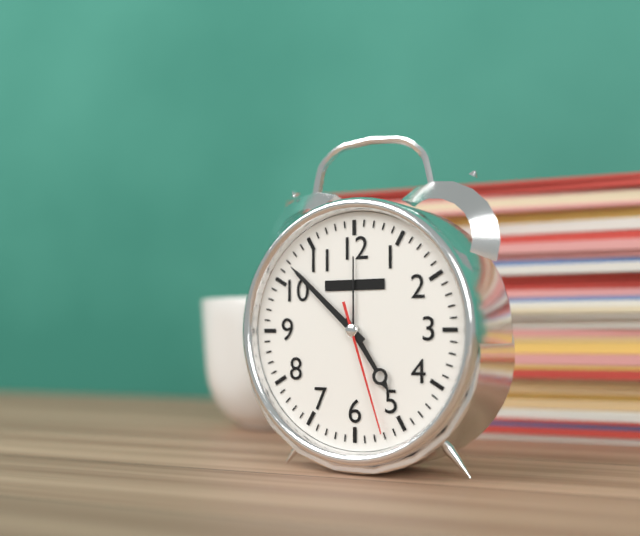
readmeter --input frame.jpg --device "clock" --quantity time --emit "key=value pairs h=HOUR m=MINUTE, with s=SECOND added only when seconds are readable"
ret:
h=4 m=52 s=27
